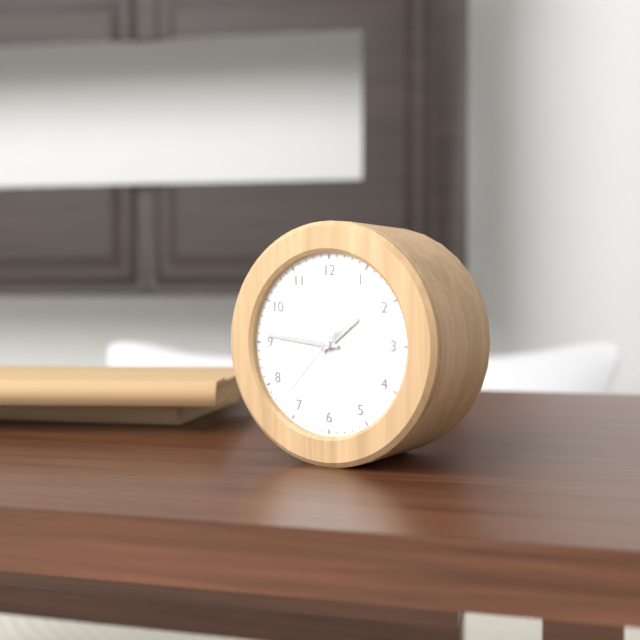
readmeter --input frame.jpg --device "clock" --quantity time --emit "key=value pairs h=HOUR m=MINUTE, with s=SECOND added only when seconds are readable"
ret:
h=1 m=46 s=37
